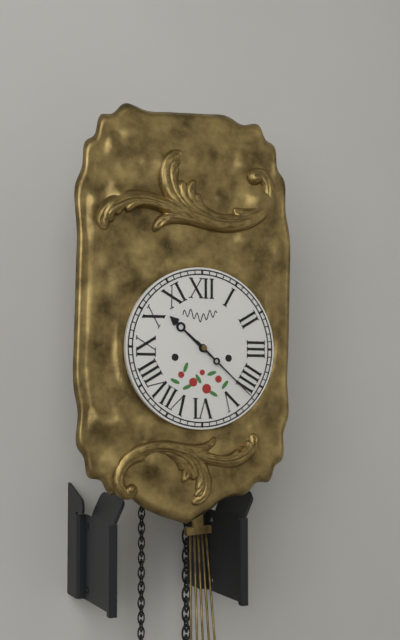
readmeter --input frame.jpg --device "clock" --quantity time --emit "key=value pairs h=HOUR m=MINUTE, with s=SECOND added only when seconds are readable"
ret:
h=10 m=22
